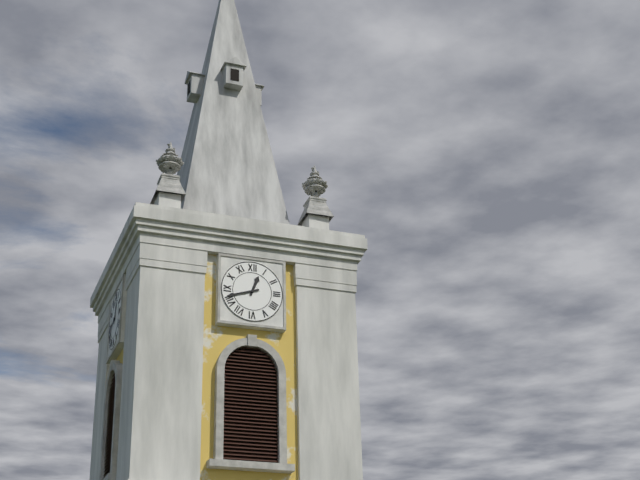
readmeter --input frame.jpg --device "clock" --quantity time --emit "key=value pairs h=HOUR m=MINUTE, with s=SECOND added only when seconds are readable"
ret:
h=12 m=42
